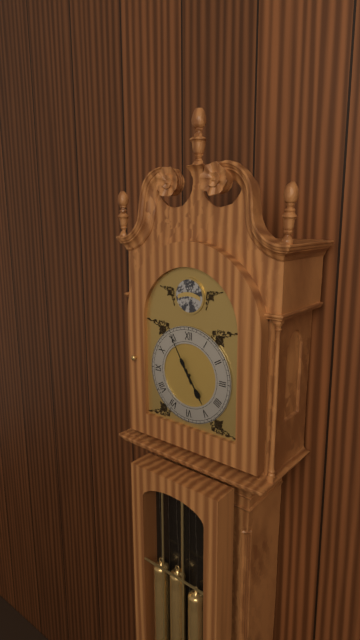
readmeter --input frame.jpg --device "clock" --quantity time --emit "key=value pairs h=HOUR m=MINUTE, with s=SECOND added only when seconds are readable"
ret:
h=4 m=55
